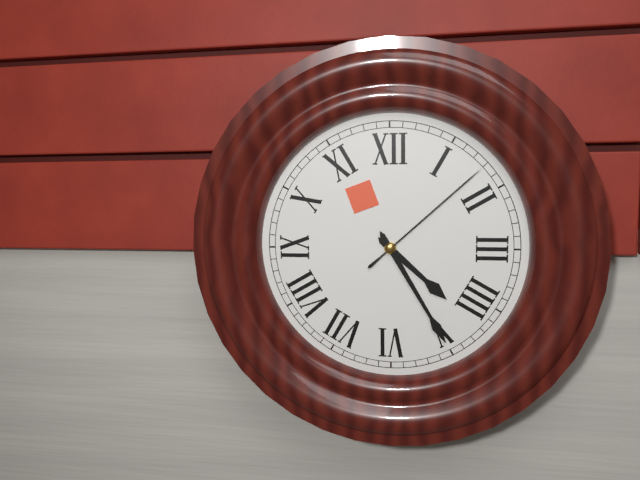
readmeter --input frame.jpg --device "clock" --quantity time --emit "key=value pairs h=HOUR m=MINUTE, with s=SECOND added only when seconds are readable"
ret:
h=4 m=25 s=8
